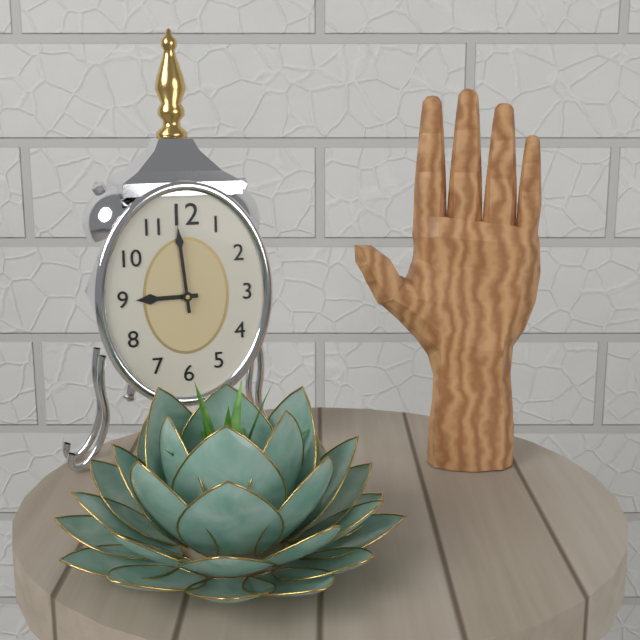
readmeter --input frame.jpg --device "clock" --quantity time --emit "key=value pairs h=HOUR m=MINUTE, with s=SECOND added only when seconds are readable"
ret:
h=8 m=59
